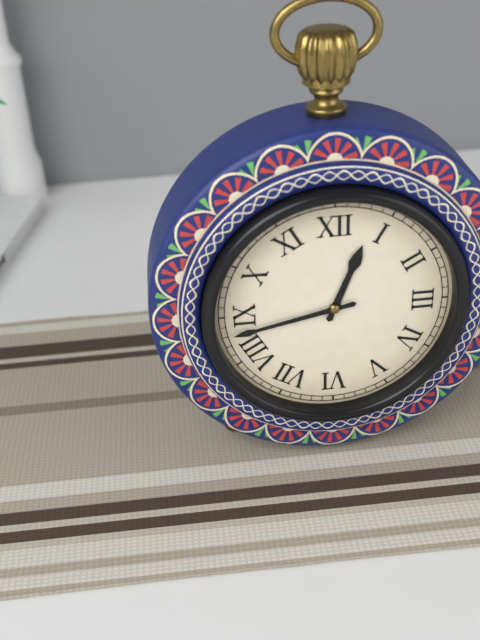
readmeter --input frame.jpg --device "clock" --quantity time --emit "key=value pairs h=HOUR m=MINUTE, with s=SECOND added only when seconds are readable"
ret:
h=12 m=43
